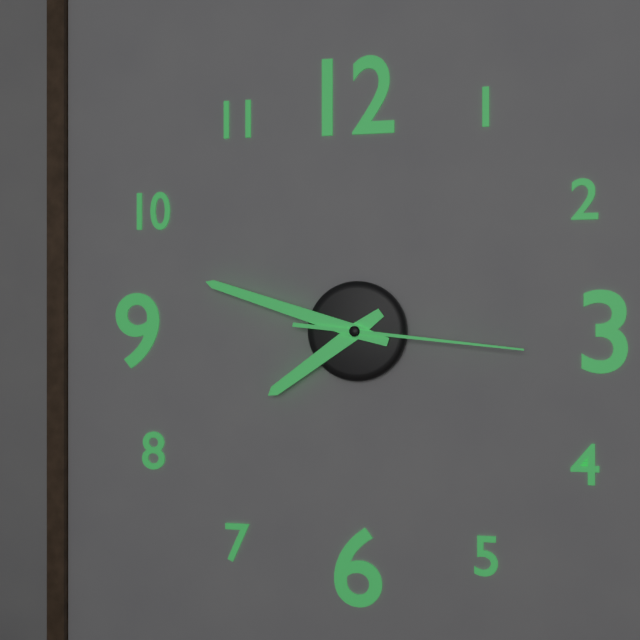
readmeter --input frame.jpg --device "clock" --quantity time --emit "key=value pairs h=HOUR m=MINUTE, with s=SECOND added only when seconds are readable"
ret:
h=7 m=48 s=16
